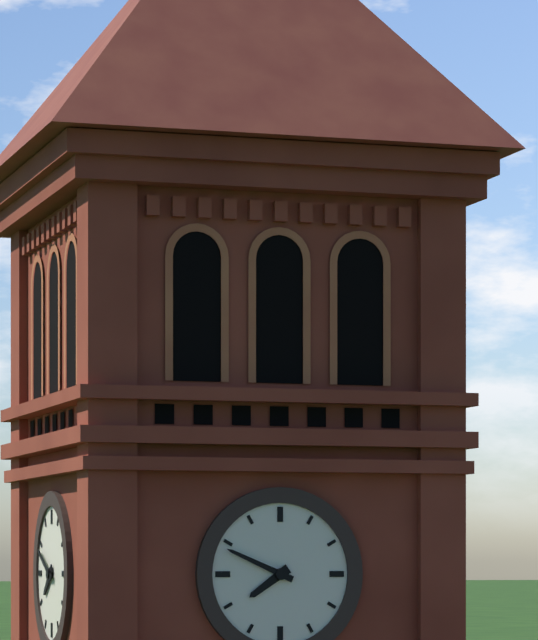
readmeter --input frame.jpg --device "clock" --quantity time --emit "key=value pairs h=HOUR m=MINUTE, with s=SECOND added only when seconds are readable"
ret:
h=7 m=49
